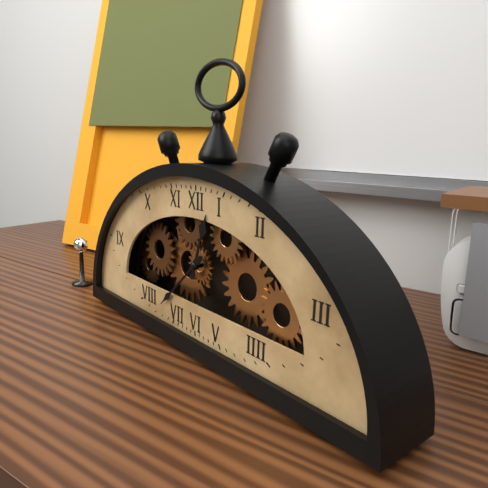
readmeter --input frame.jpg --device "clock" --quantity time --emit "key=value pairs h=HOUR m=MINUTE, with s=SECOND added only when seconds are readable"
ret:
h=12 m=38
